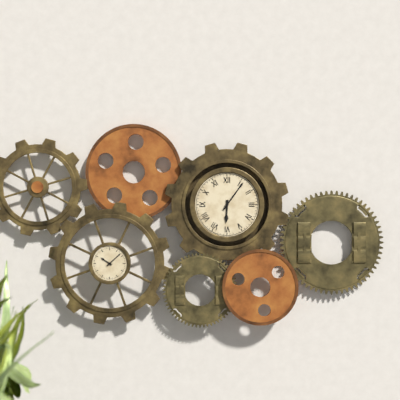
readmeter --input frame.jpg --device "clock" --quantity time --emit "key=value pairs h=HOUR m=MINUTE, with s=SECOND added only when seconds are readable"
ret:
h=6 m=6
